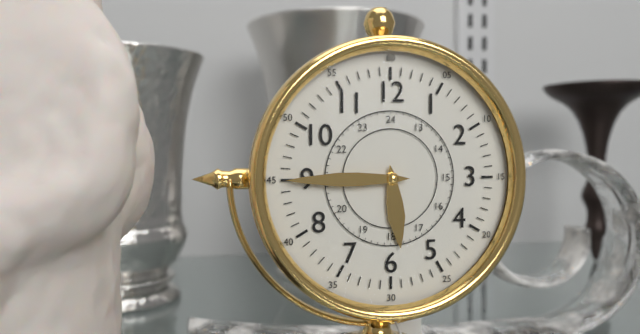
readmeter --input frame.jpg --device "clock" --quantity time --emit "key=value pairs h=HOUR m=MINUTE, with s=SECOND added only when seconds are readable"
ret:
h=5 m=45
